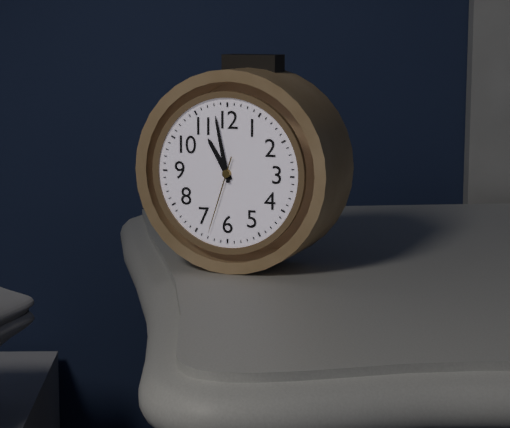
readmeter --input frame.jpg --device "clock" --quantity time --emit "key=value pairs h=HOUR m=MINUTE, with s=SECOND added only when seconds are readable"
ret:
h=10 m=58 s=33
